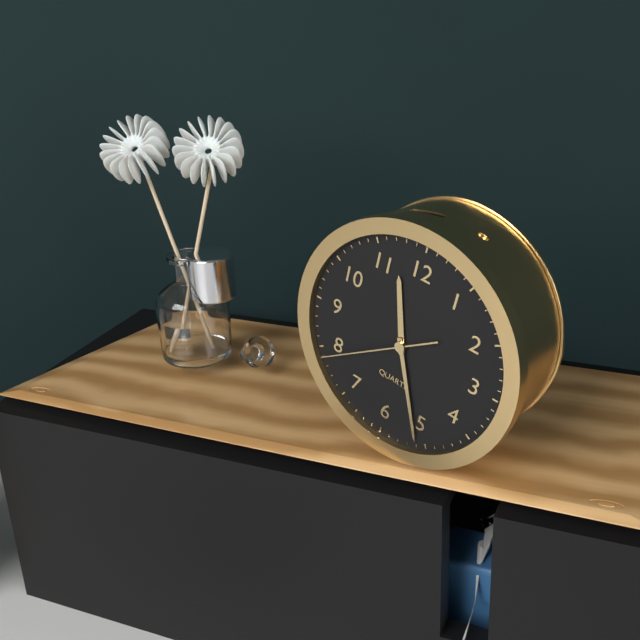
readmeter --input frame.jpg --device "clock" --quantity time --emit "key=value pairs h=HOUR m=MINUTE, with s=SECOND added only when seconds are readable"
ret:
h=11 m=26 s=39
